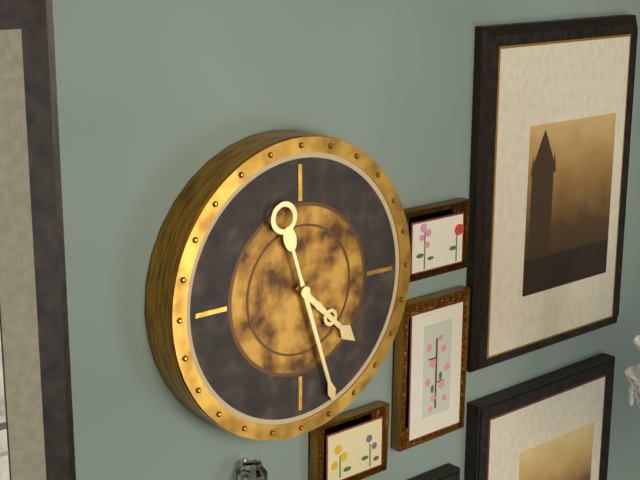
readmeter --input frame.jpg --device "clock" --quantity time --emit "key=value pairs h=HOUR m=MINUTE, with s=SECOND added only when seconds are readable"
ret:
h=4 m=27
